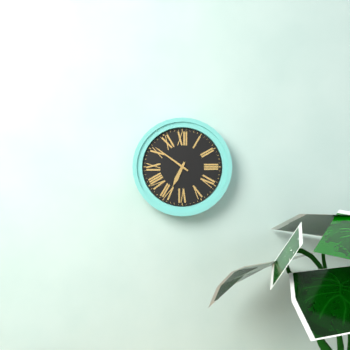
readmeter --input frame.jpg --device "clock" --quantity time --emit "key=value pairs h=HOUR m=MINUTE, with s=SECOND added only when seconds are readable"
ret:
h=6 m=51
